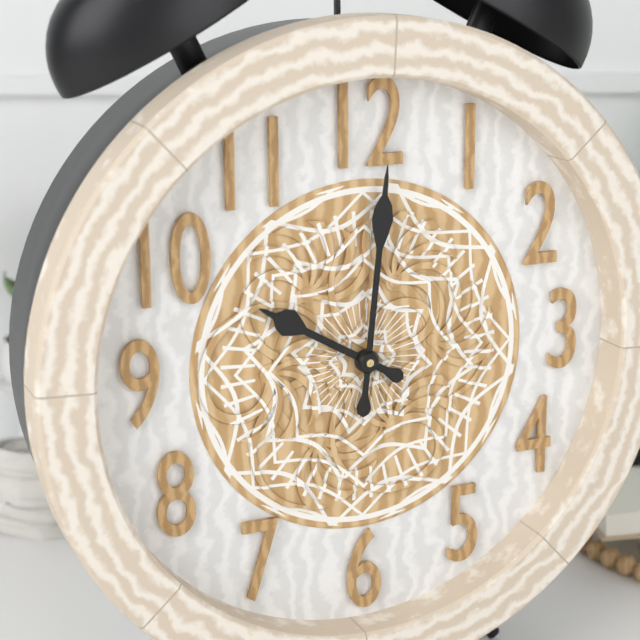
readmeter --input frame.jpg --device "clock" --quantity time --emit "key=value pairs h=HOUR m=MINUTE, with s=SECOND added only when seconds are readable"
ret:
h=10 m=1
